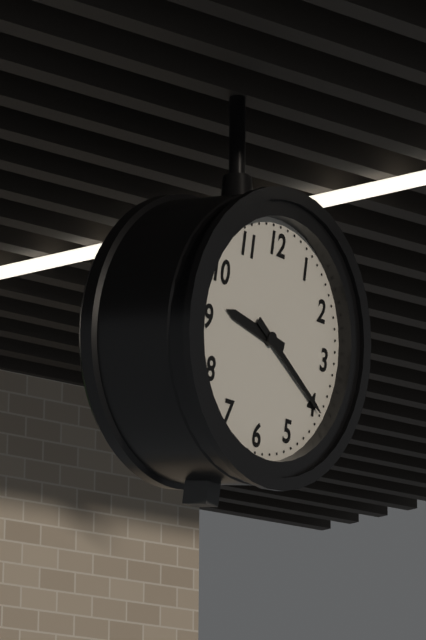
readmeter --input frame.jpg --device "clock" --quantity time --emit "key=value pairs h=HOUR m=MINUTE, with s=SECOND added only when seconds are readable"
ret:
h=9 m=20
